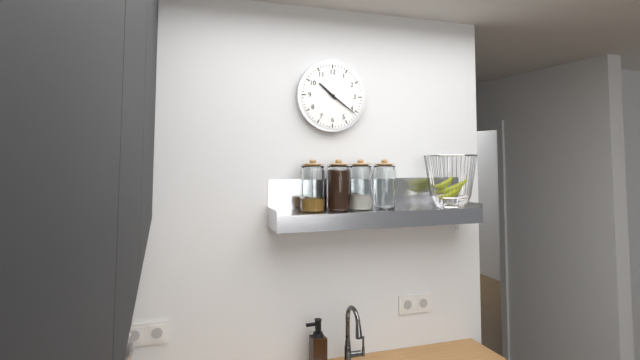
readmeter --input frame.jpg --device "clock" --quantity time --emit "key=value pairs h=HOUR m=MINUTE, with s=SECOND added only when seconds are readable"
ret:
h=10 m=21
